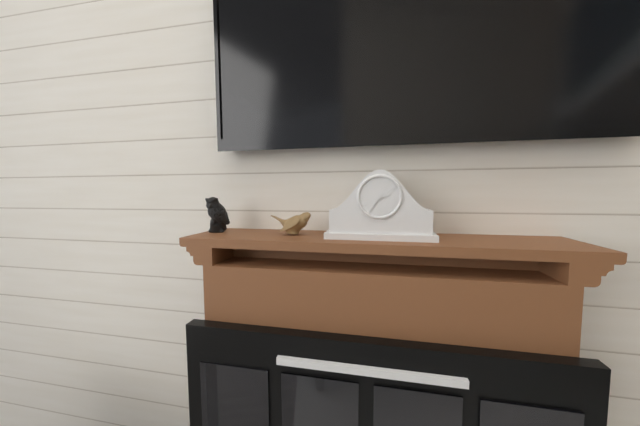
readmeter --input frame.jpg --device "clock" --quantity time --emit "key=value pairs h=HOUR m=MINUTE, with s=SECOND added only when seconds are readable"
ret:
h=2 m=36
